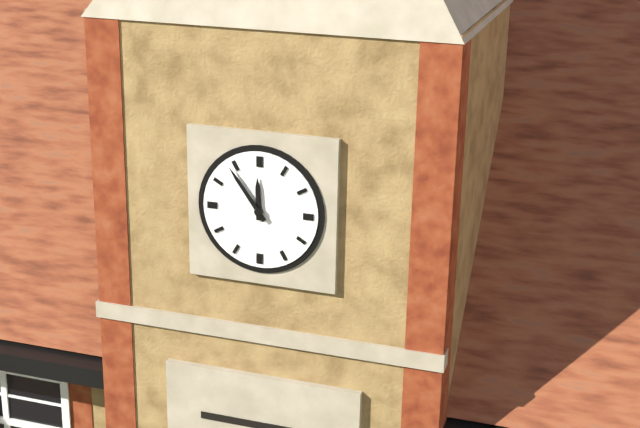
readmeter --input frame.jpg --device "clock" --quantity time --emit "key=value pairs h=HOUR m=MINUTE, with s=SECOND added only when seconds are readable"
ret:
h=11 m=54
